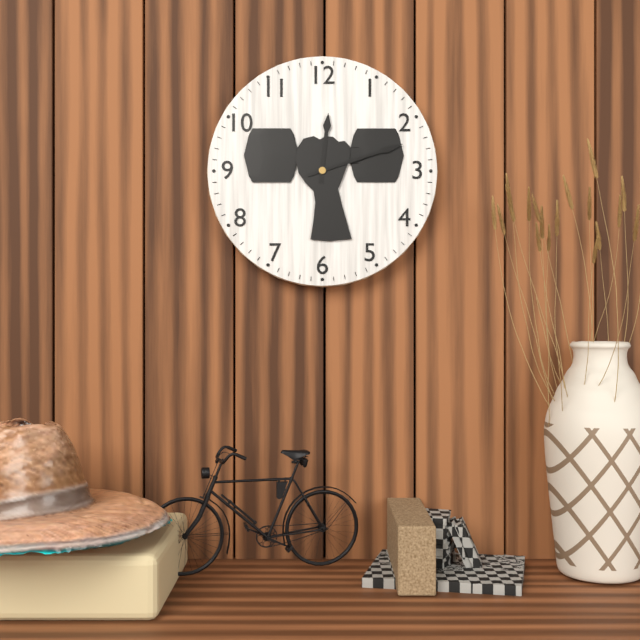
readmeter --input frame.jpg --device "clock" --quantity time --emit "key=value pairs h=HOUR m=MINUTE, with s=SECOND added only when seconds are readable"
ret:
h=12 m=12
